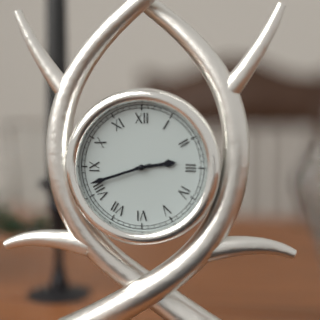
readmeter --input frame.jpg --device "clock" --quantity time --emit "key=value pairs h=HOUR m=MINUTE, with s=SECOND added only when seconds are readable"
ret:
h=2 m=42
